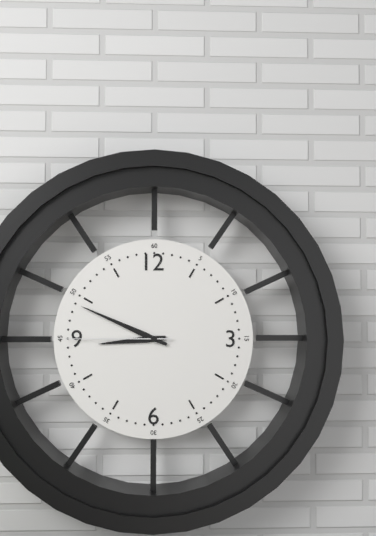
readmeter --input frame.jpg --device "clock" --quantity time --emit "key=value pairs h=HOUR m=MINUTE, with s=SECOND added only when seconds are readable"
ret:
h=8 m=49 s=45
